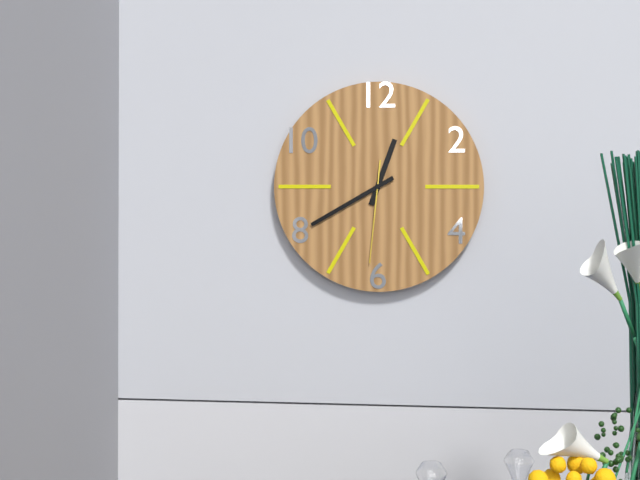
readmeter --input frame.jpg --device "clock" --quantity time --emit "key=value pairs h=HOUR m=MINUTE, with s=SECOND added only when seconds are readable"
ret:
h=12 m=40 s=31
